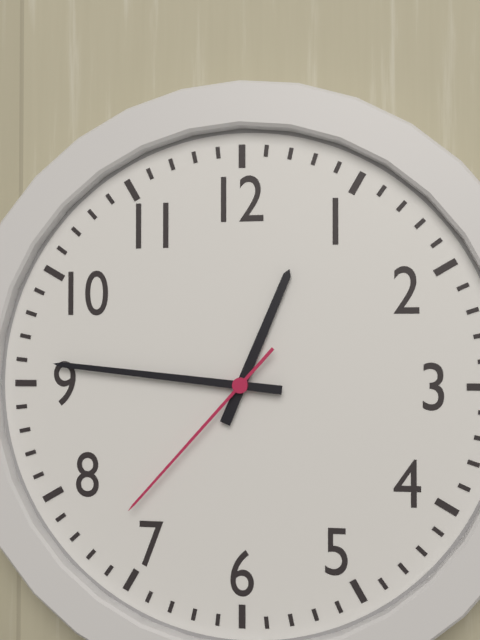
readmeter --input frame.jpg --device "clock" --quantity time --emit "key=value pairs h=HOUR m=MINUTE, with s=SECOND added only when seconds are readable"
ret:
h=12 m=46 s=37
